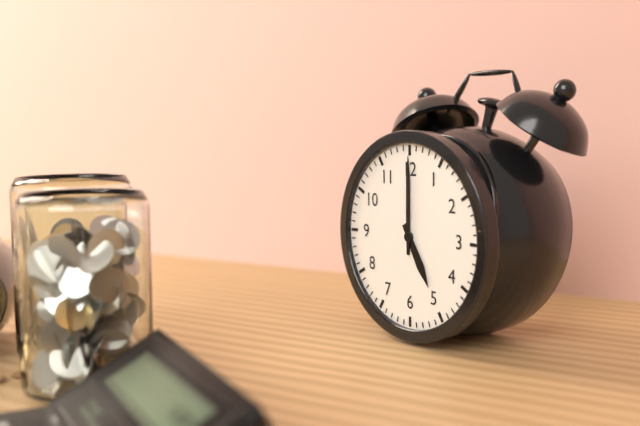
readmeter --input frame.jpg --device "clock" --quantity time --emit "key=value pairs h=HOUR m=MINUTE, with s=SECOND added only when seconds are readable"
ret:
h=5 m=0
